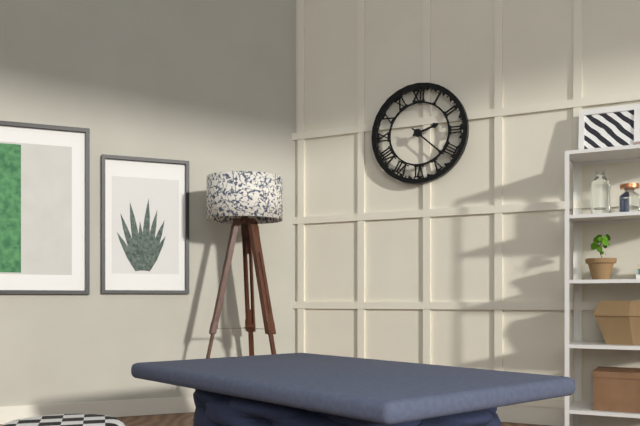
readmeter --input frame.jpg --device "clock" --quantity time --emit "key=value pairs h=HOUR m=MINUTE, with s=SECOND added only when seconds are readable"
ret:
h=2 m=22
